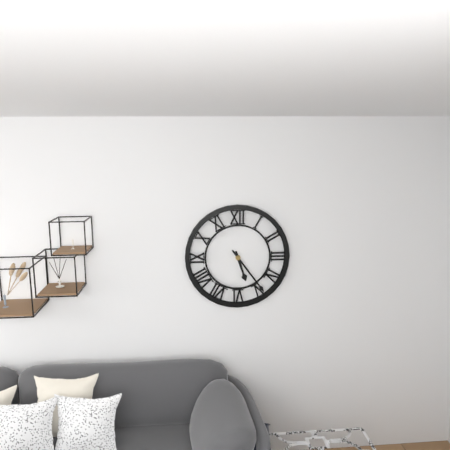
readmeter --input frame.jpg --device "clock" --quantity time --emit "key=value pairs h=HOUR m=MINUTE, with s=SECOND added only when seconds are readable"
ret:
h=5 m=24
